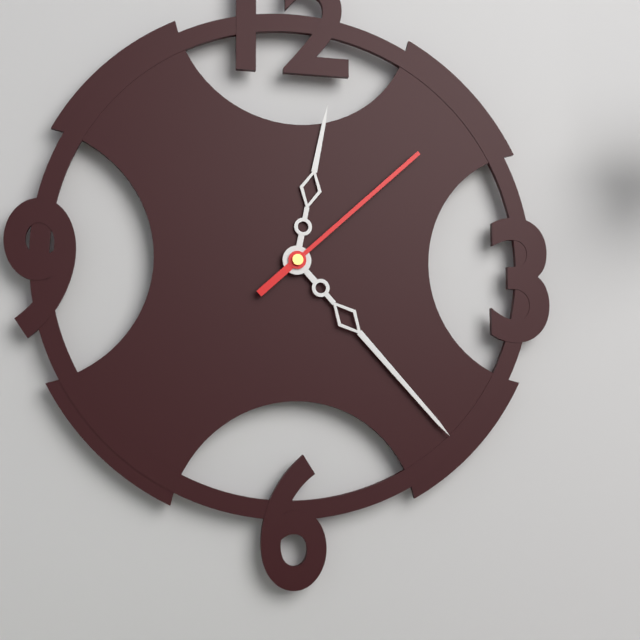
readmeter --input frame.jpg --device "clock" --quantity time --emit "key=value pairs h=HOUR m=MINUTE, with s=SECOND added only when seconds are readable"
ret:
h=12 m=23 s=8
